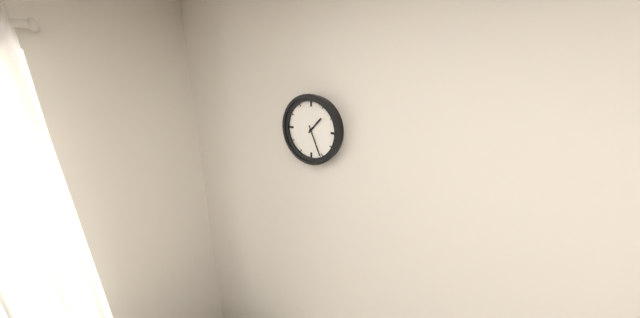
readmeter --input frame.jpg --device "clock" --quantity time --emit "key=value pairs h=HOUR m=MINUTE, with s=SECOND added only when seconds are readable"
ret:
h=1 m=26
